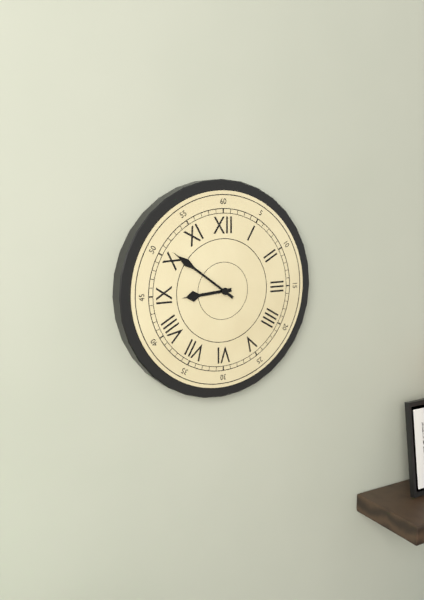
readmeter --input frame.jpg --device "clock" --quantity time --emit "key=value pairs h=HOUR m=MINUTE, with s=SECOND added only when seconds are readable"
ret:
h=8 m=51
